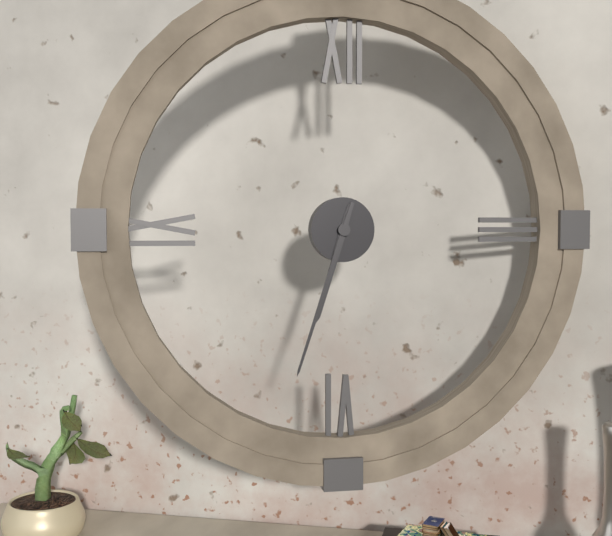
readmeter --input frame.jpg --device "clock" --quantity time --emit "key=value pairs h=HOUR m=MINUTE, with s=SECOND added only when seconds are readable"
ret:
h=6 m=33
